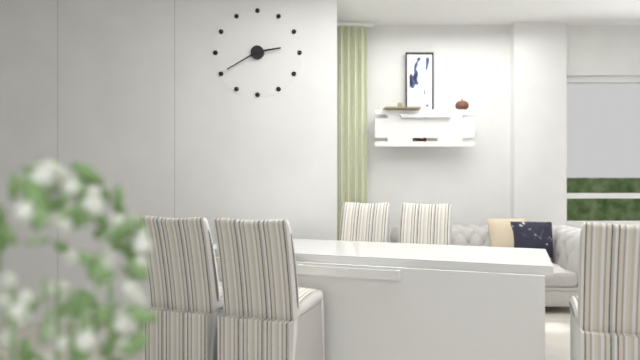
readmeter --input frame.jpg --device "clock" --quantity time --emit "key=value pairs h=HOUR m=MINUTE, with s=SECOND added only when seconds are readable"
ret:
h=2 m=40
